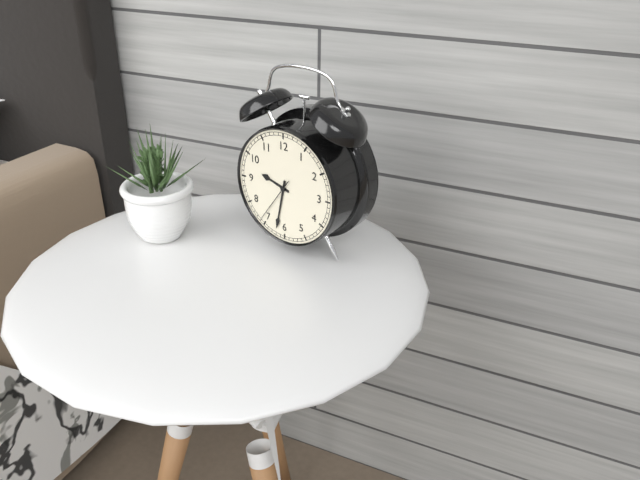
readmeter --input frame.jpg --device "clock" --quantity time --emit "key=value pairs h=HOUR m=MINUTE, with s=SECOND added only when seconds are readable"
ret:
h=9 m=32 s=36
